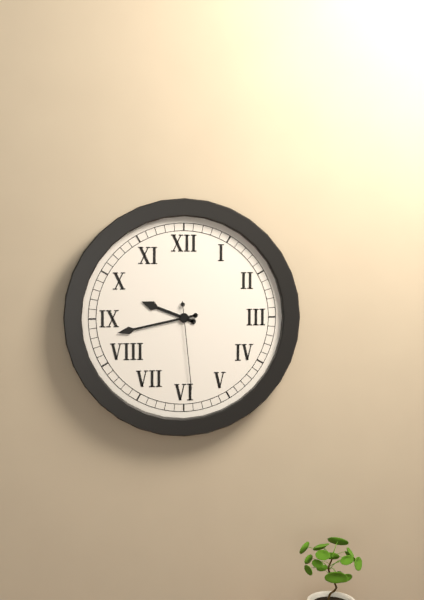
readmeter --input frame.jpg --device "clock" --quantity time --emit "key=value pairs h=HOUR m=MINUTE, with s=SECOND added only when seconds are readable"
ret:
h=9 m=43 s=29
